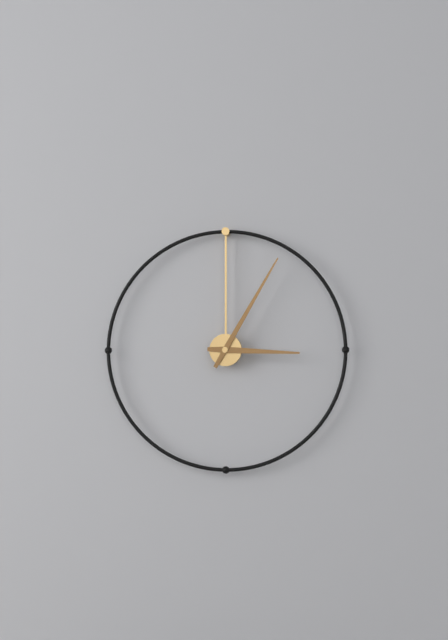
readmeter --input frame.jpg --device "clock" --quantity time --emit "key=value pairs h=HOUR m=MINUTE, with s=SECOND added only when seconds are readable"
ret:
h=3 m=5
